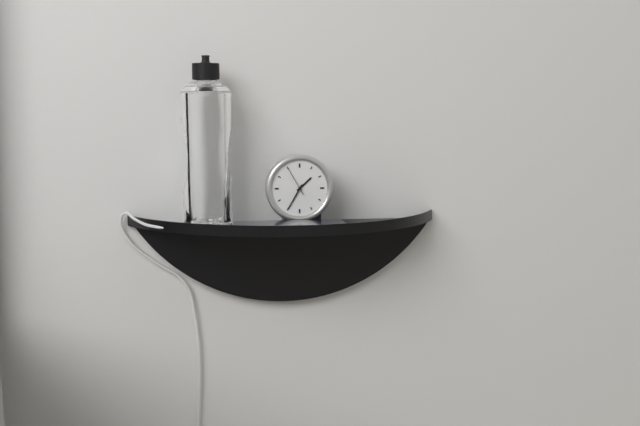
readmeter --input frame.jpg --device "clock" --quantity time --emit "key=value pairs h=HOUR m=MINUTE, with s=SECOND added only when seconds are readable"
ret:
h=1 m=35
